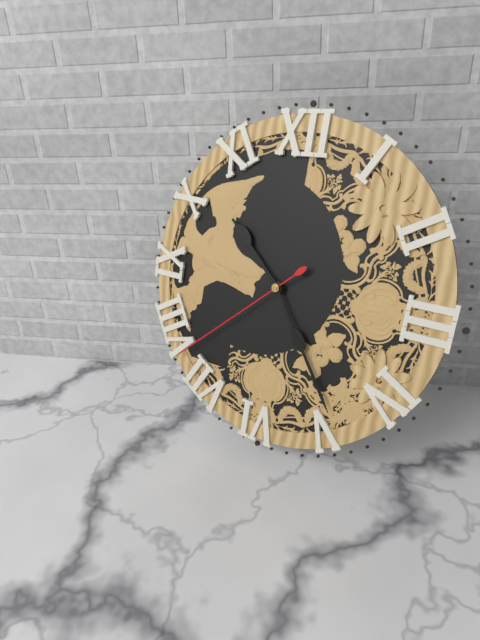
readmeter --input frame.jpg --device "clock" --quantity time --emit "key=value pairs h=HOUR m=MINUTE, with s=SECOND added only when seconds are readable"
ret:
h=10 m=24 s=38
